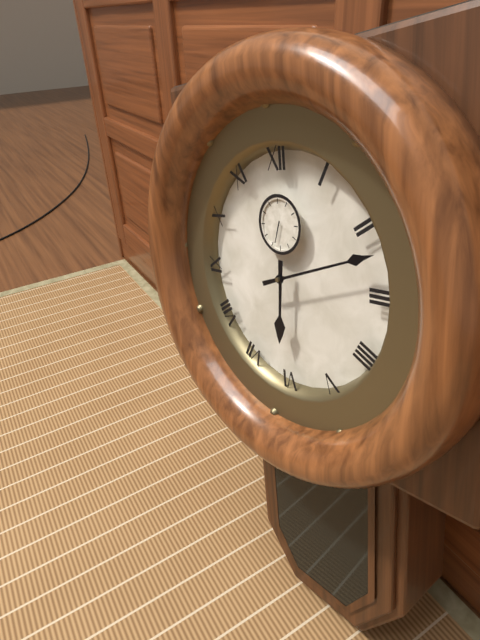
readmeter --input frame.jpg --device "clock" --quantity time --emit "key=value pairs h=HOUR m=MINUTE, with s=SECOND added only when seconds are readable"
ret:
h=6 m=12
